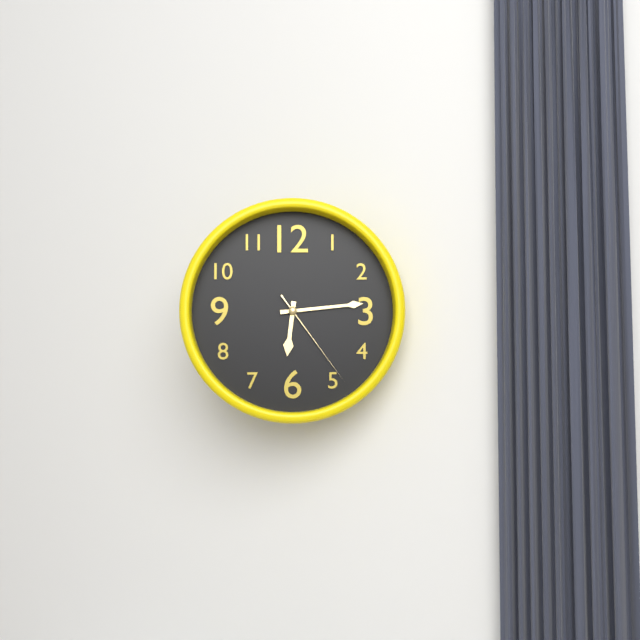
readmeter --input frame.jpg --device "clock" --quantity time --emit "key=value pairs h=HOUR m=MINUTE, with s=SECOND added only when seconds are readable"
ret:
h=6 m=14 s=24
